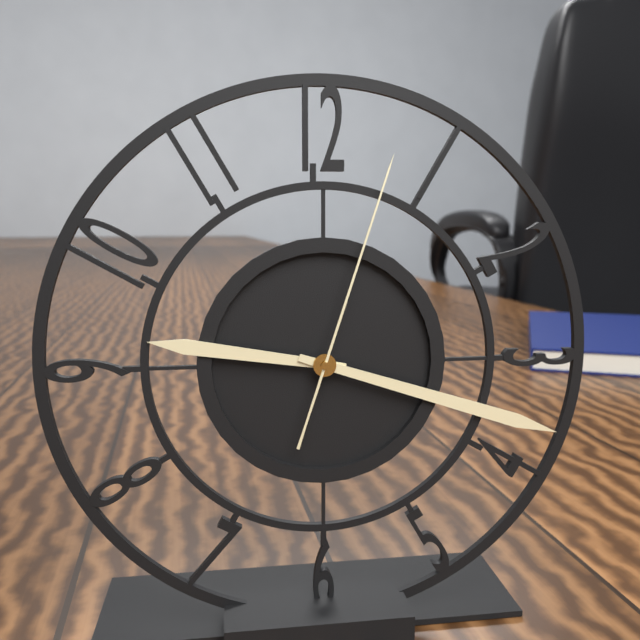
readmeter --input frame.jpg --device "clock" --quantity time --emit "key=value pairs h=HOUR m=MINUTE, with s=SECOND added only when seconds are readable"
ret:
h=9 m=18 s=3
